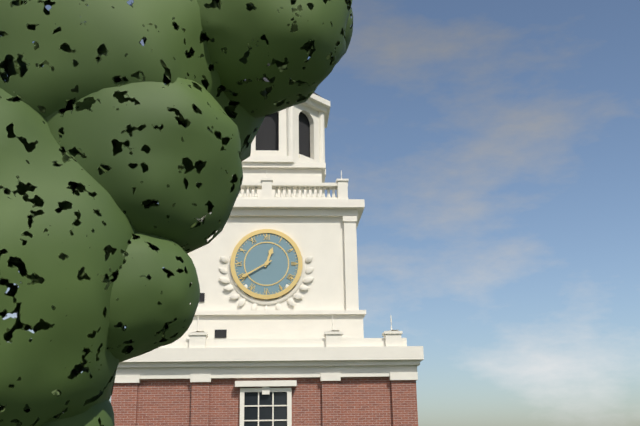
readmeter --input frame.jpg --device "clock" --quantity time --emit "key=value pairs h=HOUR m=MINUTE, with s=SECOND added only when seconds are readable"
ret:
h=12 m=40
